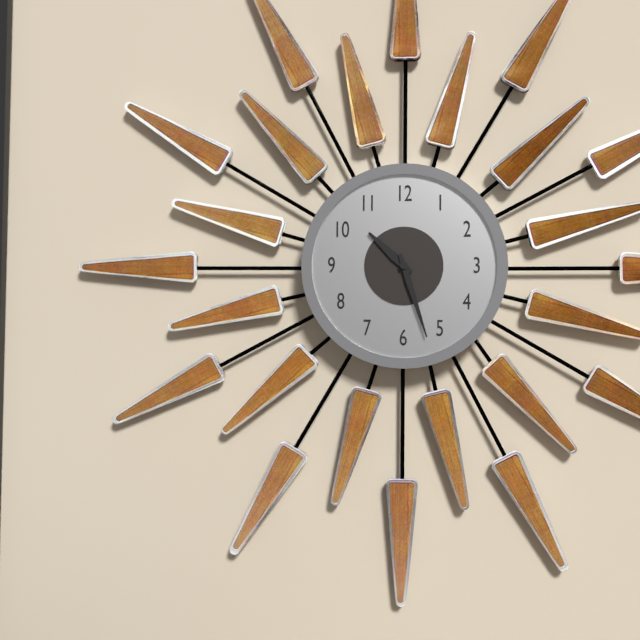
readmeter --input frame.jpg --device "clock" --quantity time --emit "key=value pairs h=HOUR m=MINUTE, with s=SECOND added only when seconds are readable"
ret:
h=10 m=27
